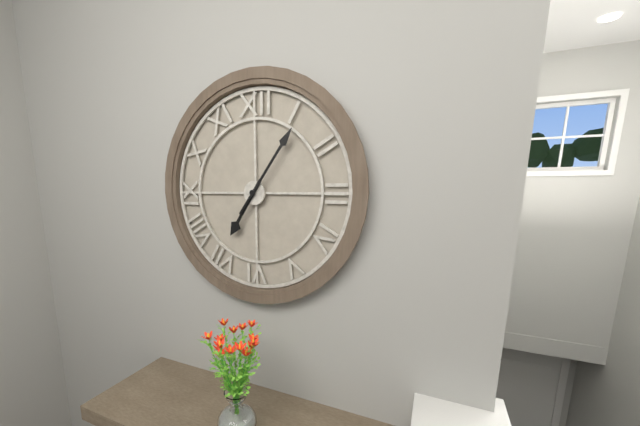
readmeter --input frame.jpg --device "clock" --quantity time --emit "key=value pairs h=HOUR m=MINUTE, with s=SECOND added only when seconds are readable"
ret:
h=7 m=6
